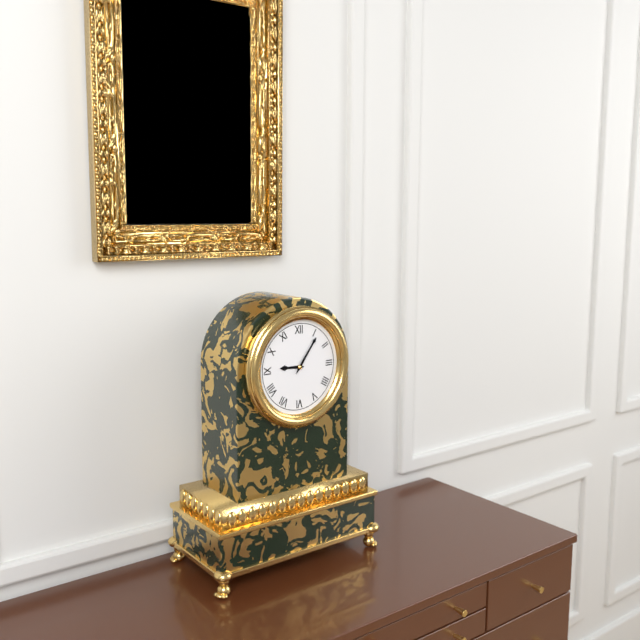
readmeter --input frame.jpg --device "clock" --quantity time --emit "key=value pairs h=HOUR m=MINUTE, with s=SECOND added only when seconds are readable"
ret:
h=9 m=6
